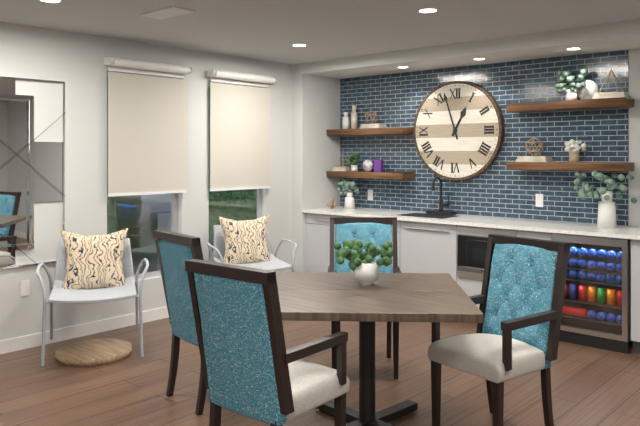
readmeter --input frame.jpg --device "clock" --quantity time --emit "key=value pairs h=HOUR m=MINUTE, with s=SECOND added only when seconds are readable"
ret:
h=12 m=57
